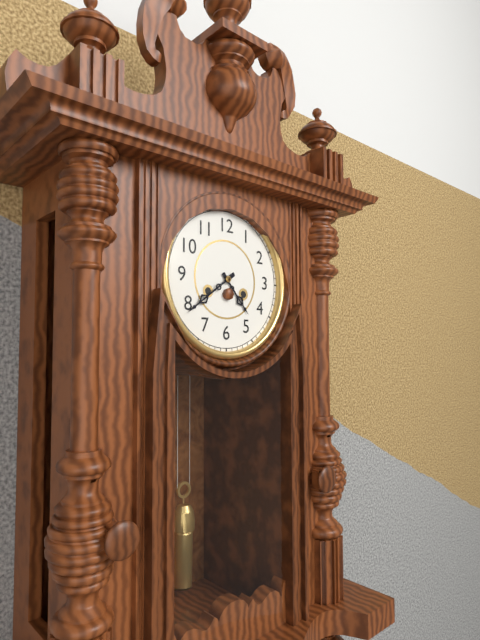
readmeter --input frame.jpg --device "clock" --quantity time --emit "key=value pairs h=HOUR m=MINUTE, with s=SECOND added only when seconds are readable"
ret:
h=4 m=39
